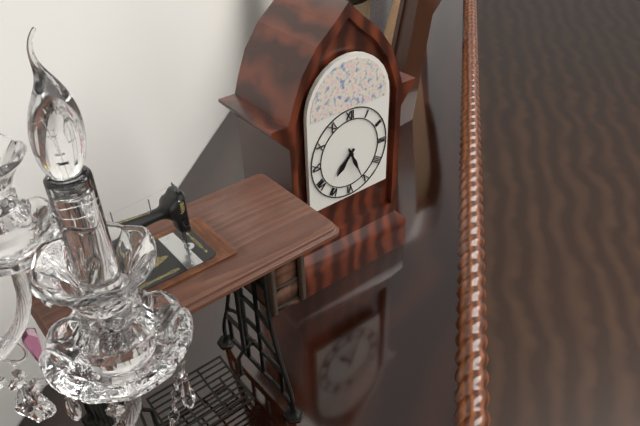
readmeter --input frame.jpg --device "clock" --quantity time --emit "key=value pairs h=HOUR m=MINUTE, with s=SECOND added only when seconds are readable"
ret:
h=7 m=26
